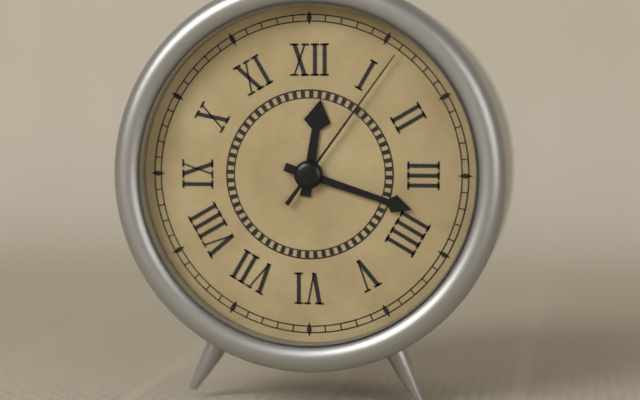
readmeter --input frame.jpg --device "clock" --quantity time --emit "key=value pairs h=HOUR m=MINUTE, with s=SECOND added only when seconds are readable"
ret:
h=12 m=18 s=6
